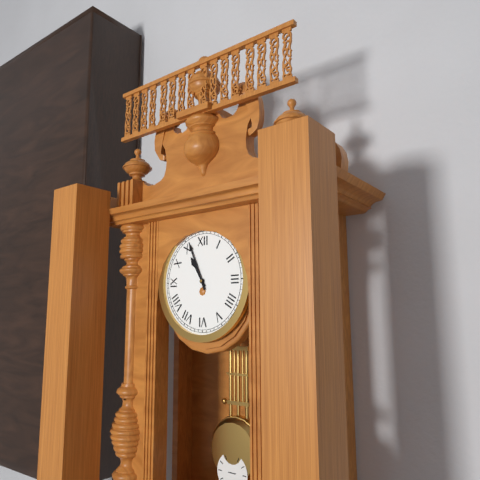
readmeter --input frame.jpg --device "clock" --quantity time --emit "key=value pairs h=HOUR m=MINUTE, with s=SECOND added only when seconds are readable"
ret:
h=10 m=56
